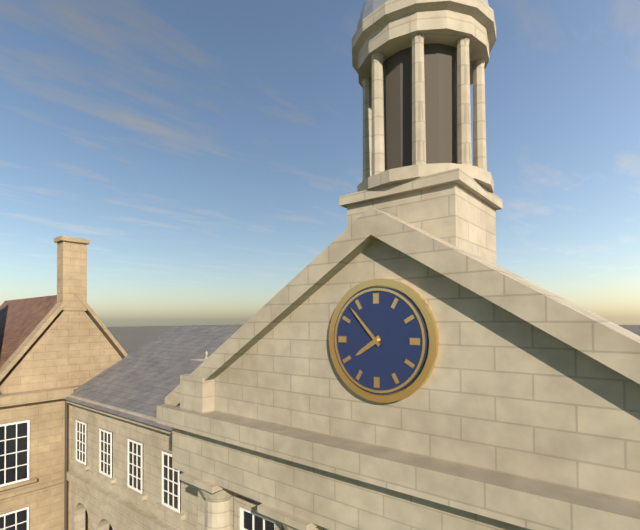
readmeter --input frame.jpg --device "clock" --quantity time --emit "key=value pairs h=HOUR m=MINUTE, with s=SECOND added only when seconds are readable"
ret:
h=7 m=53
